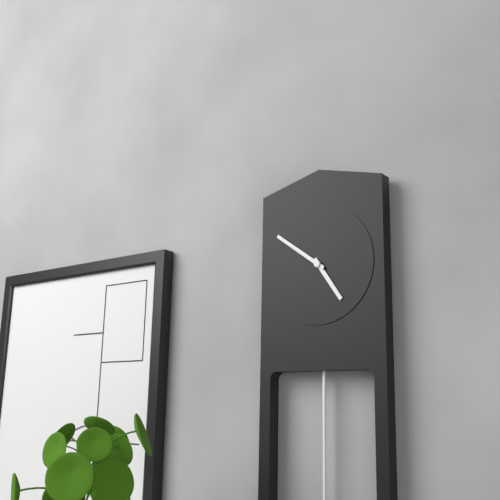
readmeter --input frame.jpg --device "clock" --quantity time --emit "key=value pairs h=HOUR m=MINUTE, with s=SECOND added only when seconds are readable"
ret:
h=4 m=51
